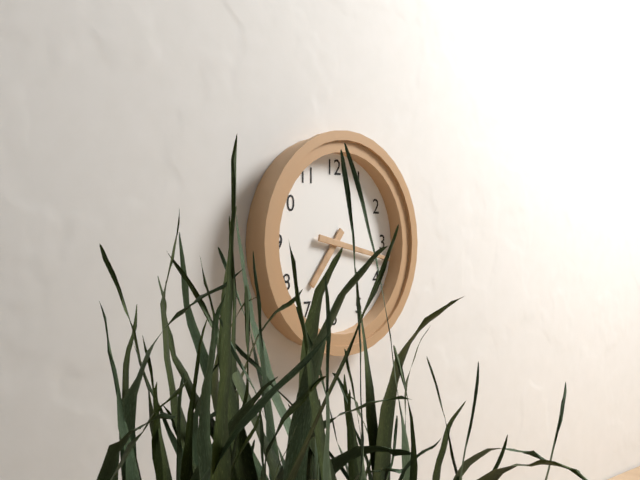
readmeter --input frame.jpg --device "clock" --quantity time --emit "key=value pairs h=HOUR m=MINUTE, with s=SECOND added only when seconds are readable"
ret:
h=7 m=17
